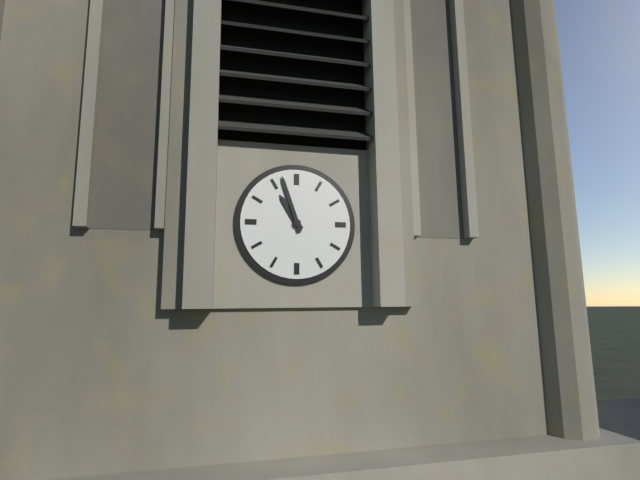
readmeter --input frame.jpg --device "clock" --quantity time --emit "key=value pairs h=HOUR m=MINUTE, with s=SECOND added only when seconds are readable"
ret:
h=10 m=57
